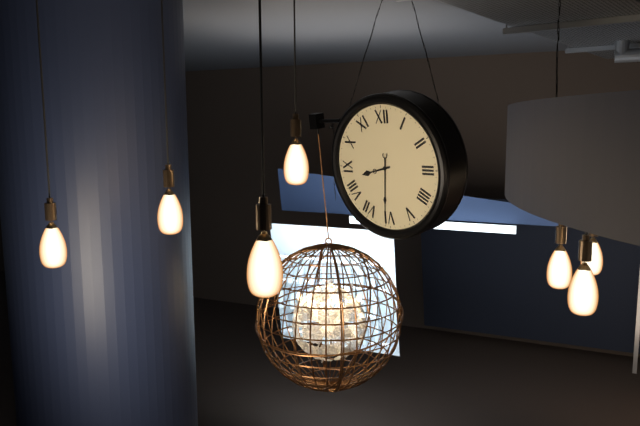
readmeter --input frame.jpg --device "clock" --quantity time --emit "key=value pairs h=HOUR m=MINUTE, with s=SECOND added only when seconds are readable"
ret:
h=8 m=31
